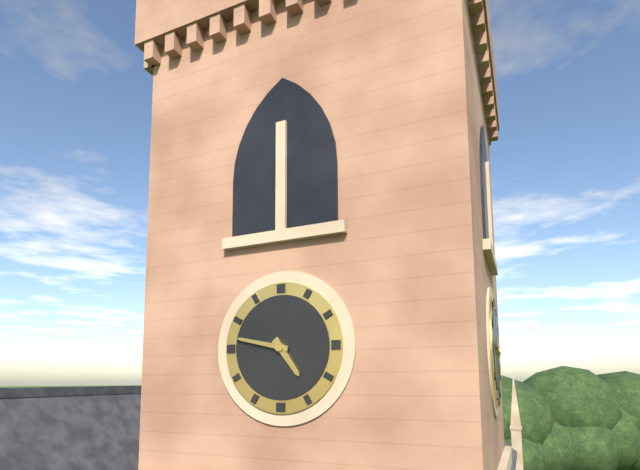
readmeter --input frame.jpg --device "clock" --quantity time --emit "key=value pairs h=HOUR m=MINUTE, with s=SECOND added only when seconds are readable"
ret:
h=4 m=47
